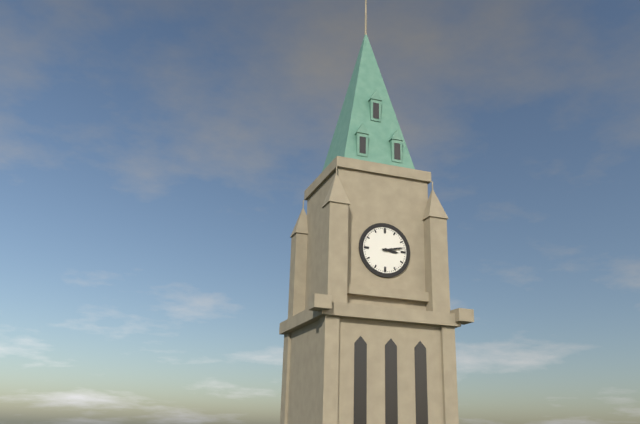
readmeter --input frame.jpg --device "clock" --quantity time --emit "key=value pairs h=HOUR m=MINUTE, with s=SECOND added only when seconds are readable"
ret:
h=3 m=13
